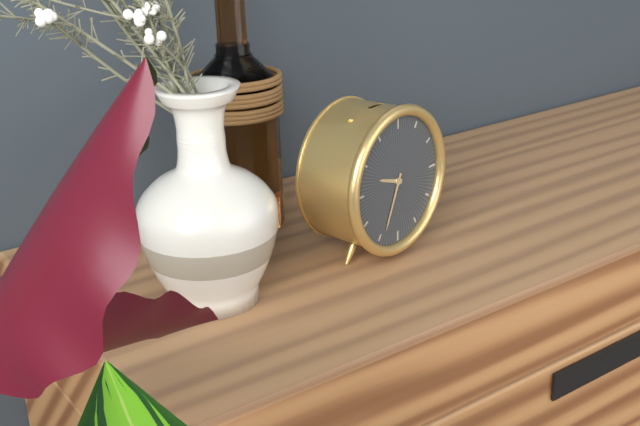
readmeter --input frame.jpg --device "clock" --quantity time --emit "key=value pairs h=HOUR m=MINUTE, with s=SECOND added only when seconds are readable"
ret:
h=9 m=34
